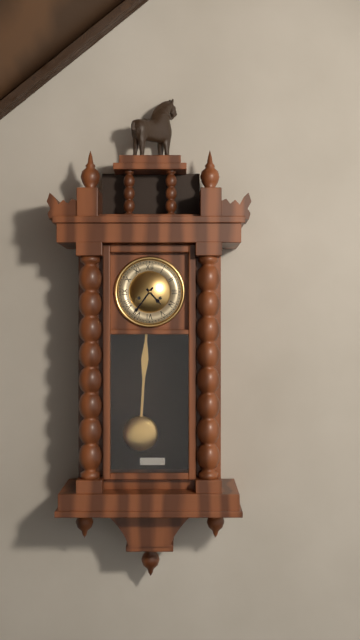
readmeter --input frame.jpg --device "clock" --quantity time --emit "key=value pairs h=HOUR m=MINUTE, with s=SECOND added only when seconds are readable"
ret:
h=4 m=36
